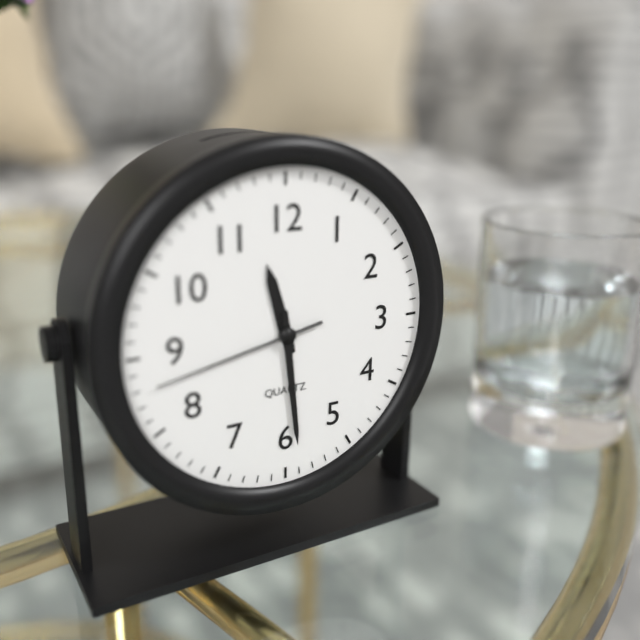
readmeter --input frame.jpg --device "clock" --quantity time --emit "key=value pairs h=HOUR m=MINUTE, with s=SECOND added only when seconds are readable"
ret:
h=11 m=29 s=43
